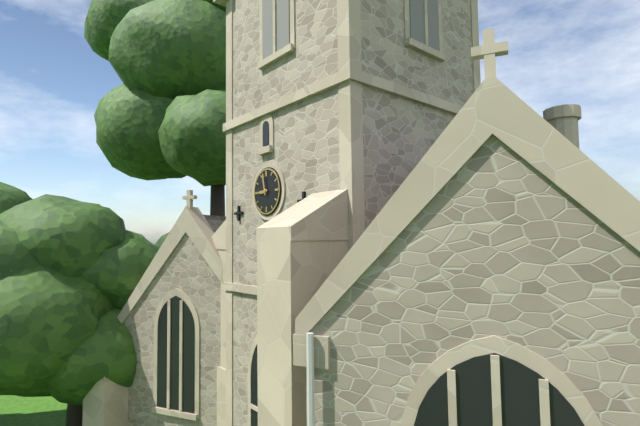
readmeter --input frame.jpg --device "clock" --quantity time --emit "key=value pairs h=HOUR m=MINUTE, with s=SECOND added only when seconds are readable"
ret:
h=8 m=58
